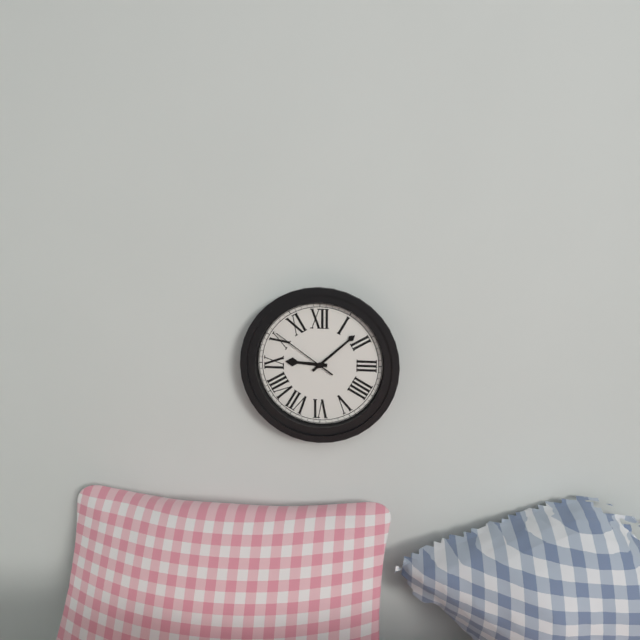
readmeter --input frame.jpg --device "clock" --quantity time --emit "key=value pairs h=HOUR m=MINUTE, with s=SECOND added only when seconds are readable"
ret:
h=9 m=8 s=51
